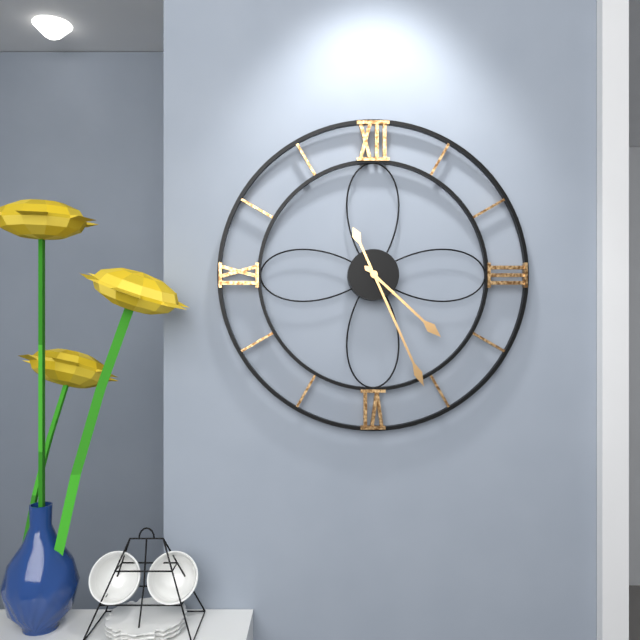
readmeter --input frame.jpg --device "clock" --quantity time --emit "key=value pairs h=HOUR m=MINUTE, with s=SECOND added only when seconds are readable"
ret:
h=4 m=26
